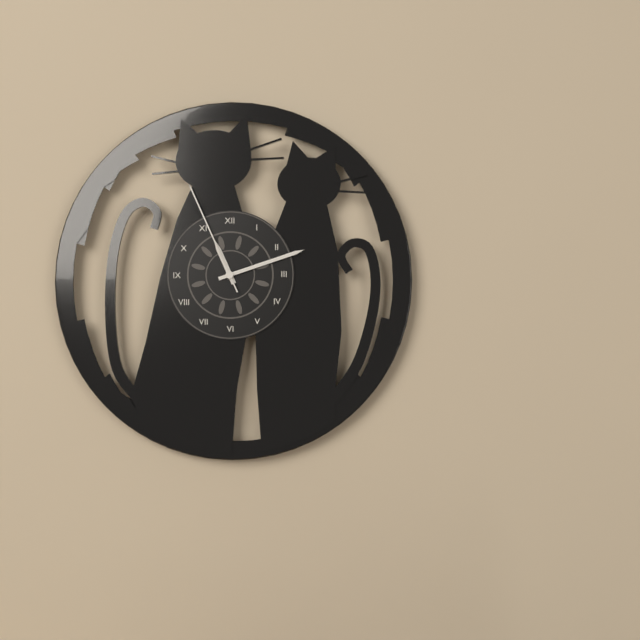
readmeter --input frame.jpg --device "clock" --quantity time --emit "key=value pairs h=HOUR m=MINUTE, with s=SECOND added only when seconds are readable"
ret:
h=11 m=12 s=56
